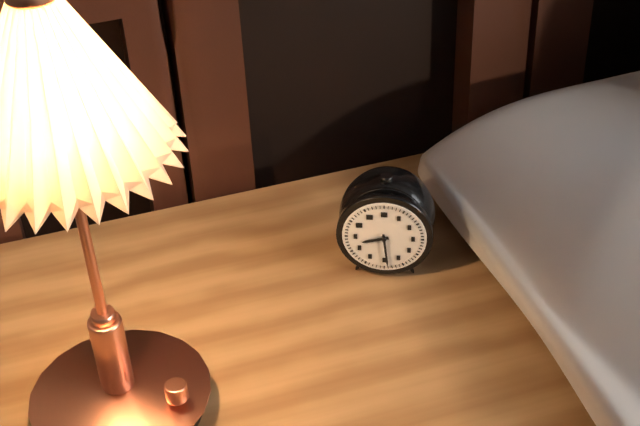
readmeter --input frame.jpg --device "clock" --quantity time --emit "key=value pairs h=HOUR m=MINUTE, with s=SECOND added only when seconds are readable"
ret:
h=8 m=29
